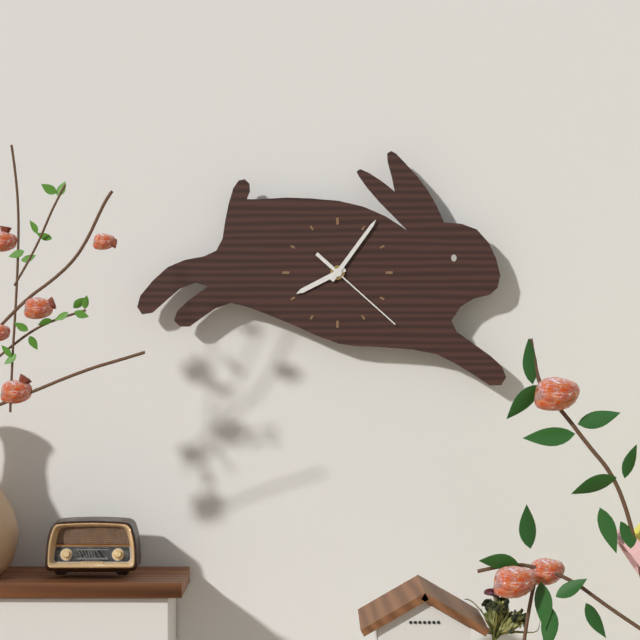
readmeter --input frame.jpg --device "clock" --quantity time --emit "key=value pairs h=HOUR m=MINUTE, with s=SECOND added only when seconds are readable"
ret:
h=8 m=6 s=22
